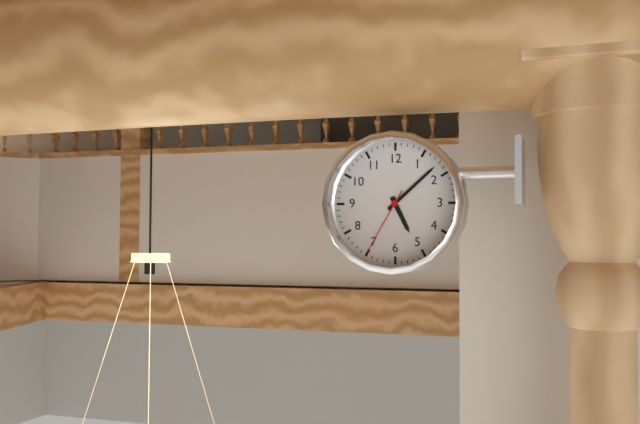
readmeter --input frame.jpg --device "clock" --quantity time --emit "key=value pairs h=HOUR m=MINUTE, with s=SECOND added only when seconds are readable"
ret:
h=5 m=8 s=35
